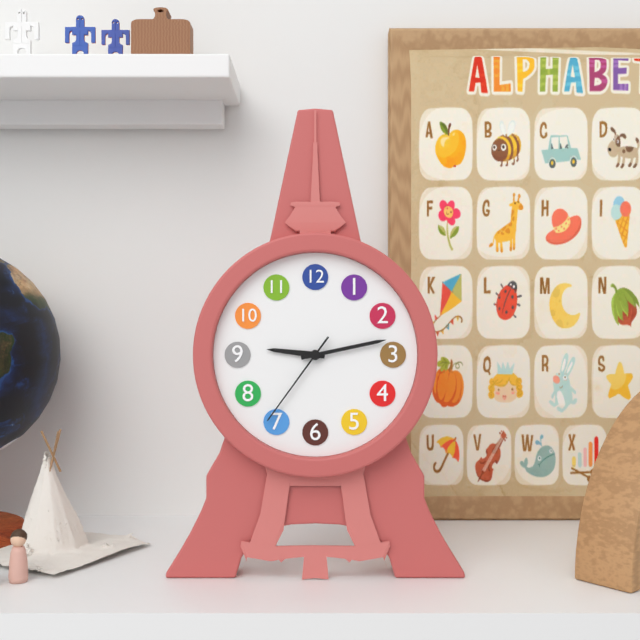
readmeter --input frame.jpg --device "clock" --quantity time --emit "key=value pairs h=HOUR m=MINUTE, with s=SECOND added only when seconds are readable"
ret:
h=9 m=13 s=36
